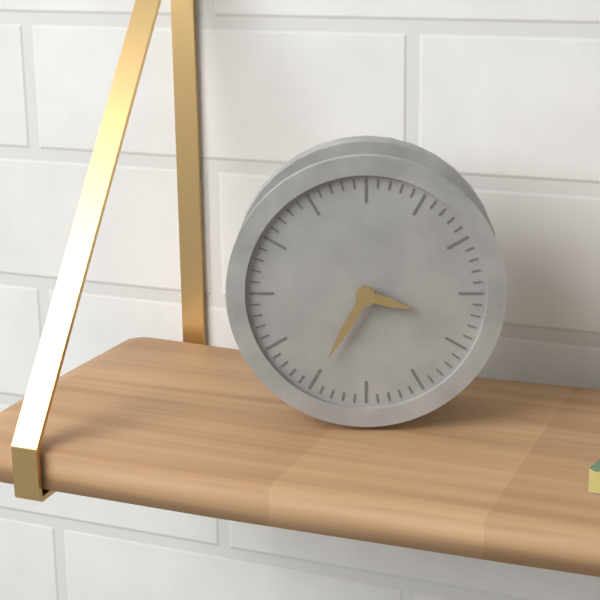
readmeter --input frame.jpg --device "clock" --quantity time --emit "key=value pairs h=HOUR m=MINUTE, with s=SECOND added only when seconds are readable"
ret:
h=3 m=35
